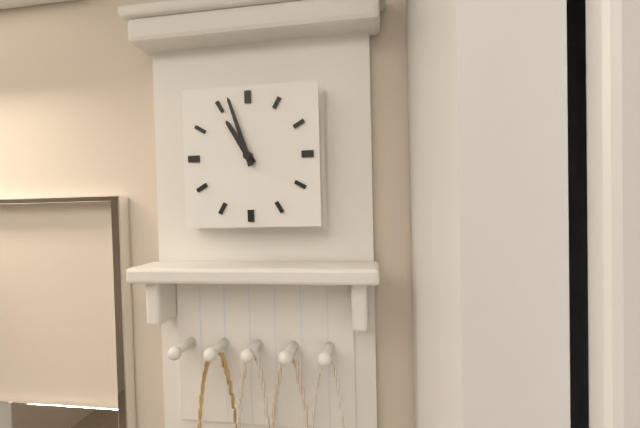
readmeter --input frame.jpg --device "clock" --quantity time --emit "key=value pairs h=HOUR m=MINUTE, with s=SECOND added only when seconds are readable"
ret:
h=10 m=57
